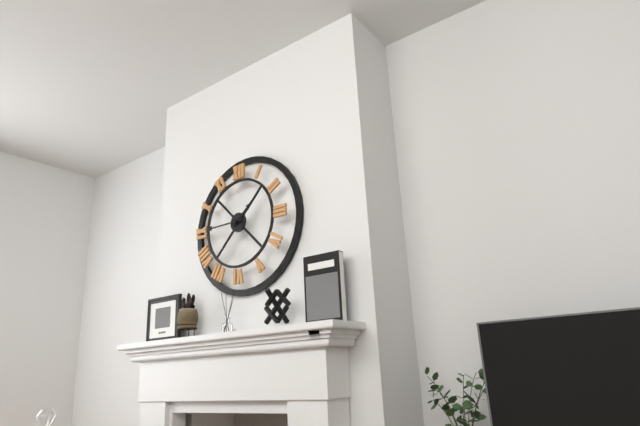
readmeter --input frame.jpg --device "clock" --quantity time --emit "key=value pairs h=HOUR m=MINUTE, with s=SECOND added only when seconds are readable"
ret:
h=1 m=45
